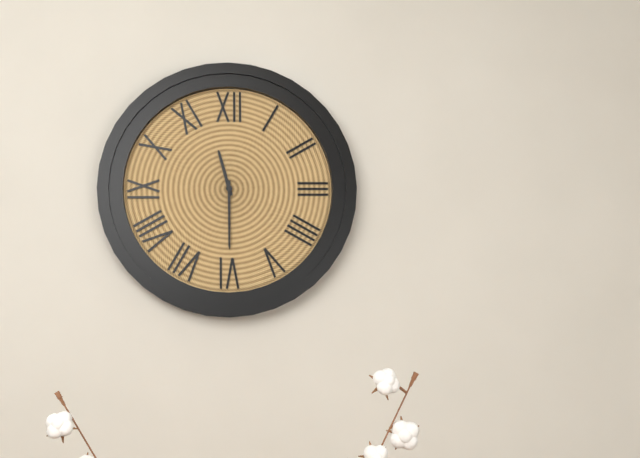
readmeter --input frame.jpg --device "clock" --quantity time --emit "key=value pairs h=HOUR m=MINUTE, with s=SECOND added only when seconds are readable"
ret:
h=11 m=30
